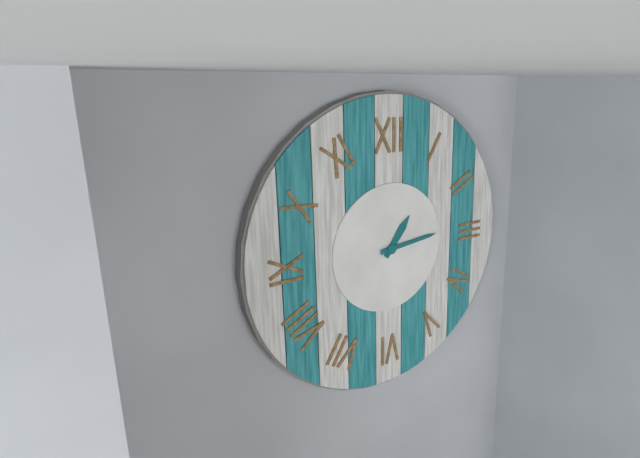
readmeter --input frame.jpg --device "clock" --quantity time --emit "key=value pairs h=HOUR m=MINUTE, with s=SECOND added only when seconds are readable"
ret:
h=1 m=14
